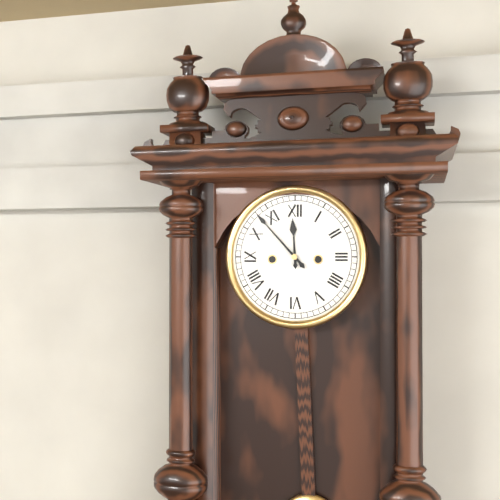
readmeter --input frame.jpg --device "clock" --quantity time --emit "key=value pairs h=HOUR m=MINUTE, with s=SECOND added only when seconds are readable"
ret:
h=11 m=53
